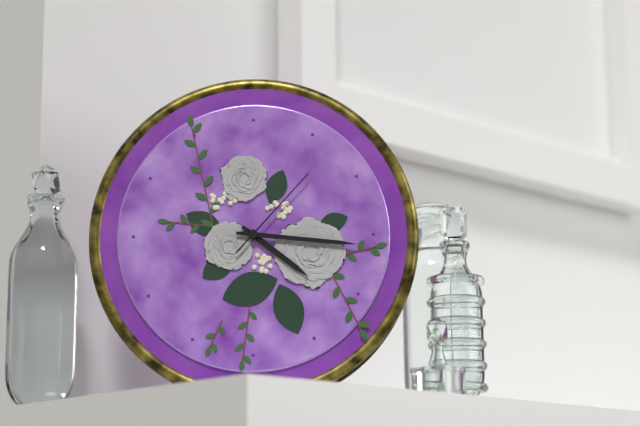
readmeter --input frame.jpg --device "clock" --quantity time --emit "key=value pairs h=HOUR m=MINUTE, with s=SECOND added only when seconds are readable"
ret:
h=4 m=16 s=7
